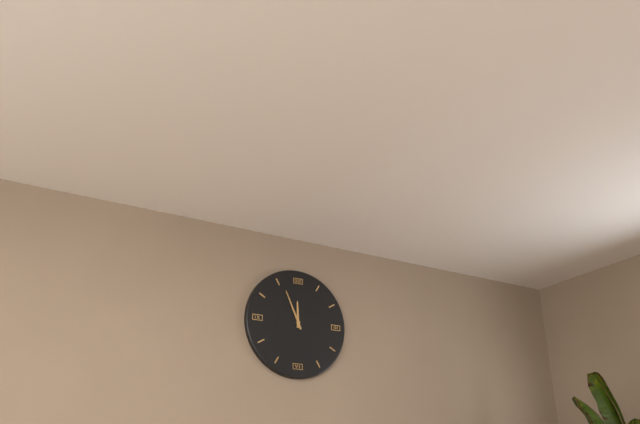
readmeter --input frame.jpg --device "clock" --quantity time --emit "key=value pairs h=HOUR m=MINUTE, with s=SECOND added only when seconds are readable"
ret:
h=11 m=56
